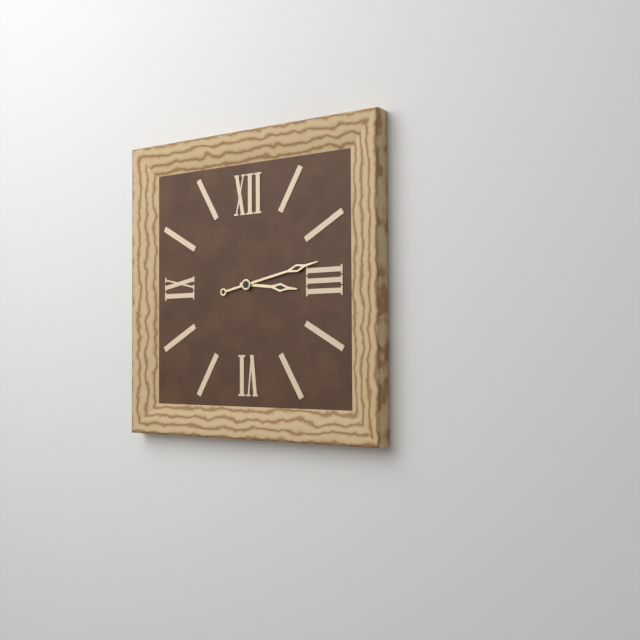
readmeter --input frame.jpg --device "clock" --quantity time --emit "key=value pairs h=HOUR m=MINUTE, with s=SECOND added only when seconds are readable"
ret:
h=3 m=13
